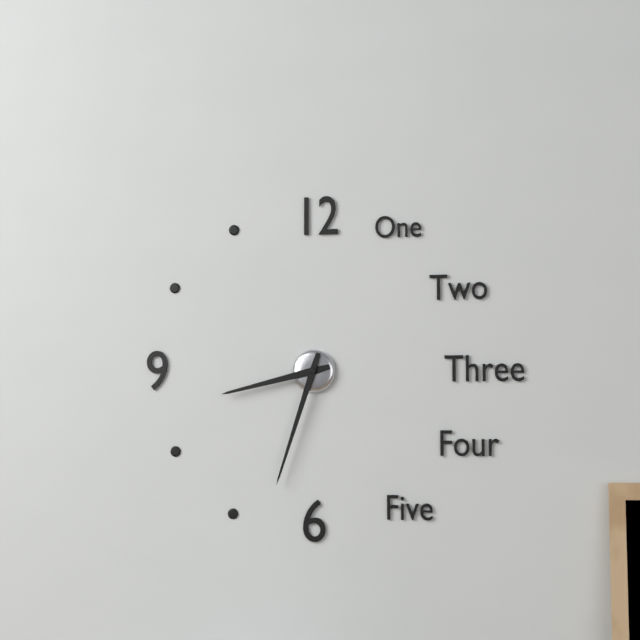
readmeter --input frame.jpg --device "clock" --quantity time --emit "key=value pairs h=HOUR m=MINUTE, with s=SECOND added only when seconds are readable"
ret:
h=8 m=33
